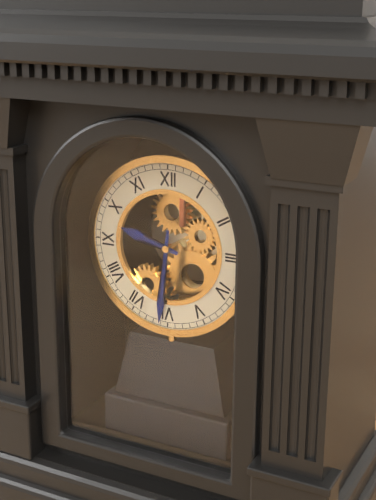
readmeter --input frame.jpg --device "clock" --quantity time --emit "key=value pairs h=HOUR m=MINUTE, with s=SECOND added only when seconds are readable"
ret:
h=9 m=31
